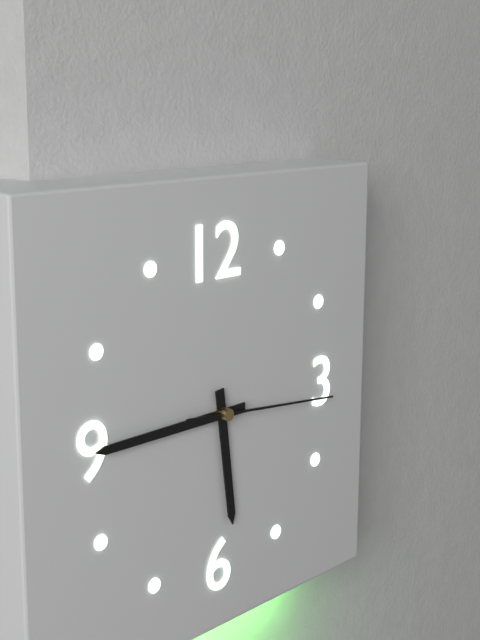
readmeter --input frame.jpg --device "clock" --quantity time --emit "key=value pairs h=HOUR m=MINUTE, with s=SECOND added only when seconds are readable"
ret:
h=5 m=45 s=16
